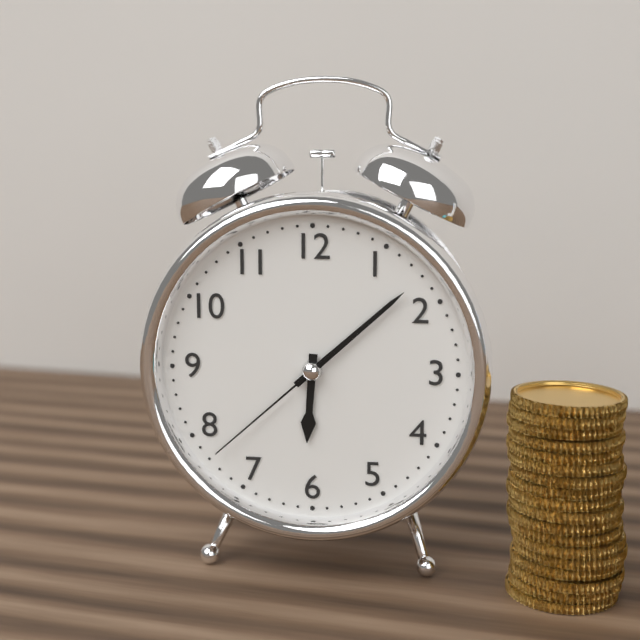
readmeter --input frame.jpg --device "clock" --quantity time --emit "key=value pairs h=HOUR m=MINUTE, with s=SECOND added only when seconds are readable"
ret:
h=6 m=8 s=38
